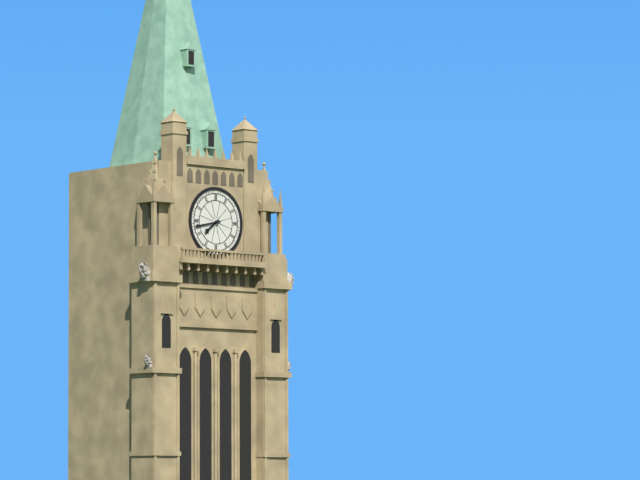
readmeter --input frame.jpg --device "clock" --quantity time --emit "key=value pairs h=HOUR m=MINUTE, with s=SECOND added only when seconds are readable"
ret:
h=7 m=43
